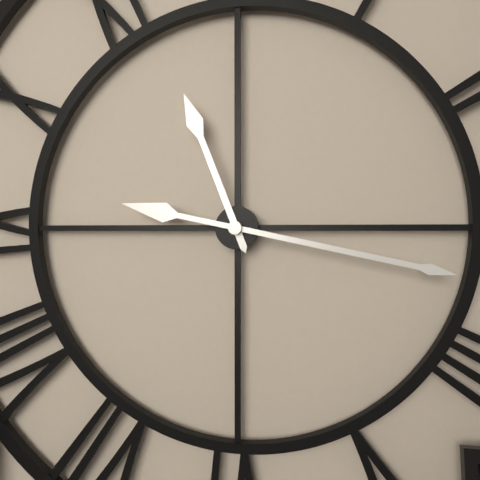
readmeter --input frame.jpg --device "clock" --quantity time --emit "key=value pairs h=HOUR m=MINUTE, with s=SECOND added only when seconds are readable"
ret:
h=11 m=17
